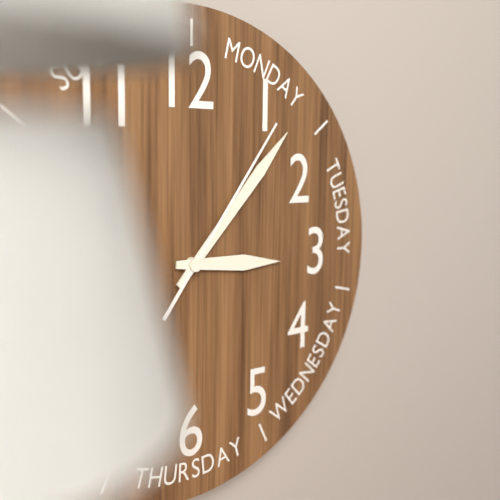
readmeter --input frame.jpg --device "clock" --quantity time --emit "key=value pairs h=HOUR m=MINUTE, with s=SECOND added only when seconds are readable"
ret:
h=3 m=7 s=6
